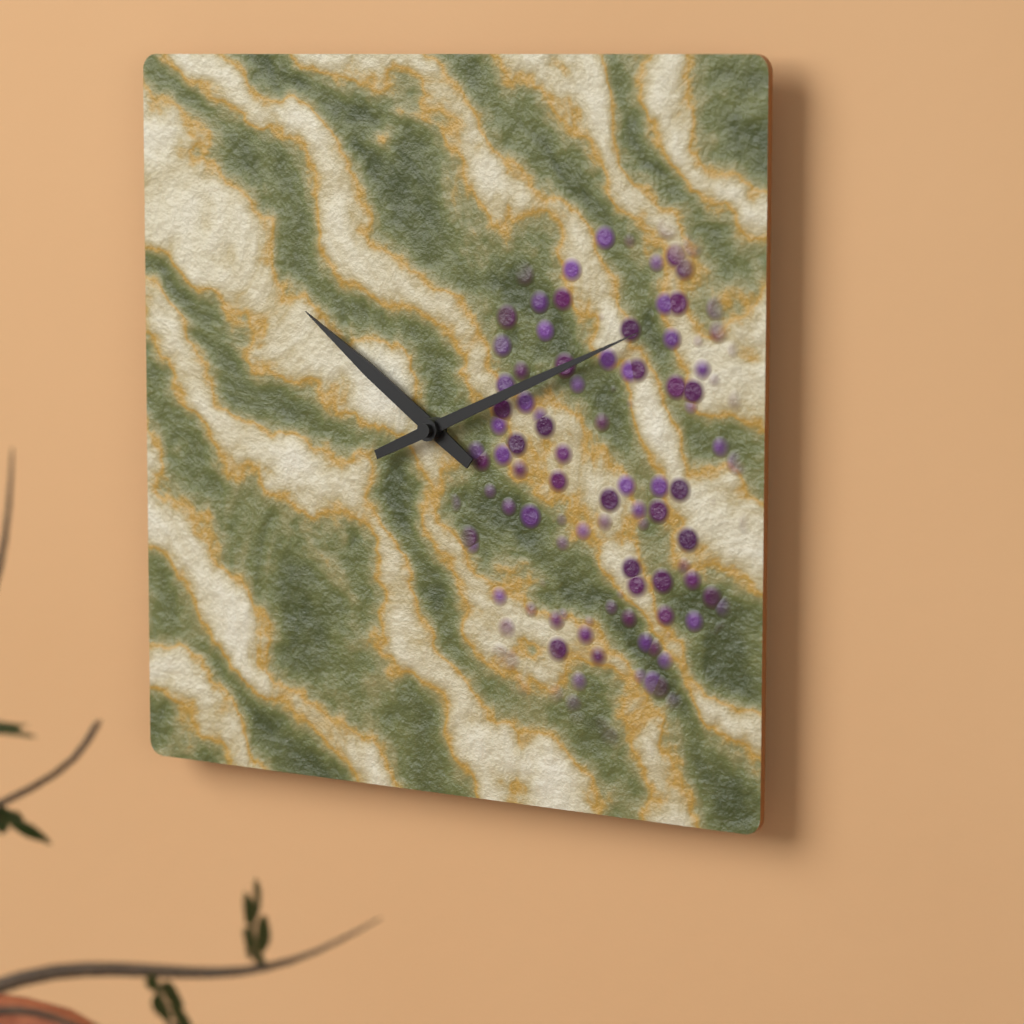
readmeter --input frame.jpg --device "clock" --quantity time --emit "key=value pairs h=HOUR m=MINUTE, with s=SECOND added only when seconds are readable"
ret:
h=10 m=11
